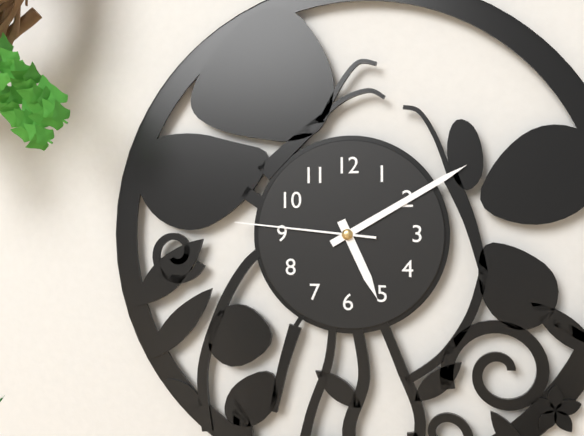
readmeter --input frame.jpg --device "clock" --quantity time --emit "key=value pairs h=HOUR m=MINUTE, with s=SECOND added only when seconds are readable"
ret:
h=5 m=10 s=46
